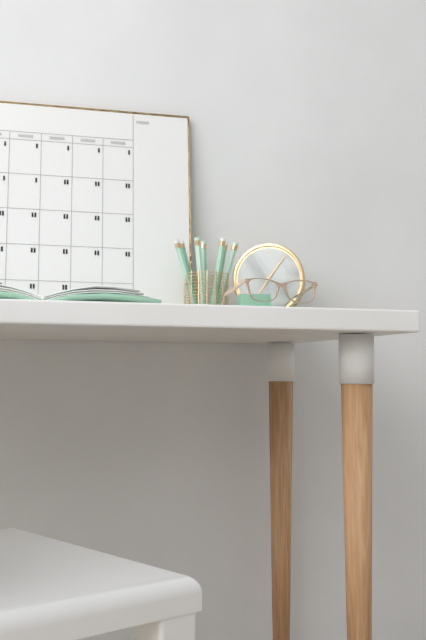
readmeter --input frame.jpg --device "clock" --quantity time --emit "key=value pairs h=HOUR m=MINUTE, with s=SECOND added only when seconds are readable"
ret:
h=7 m=6
